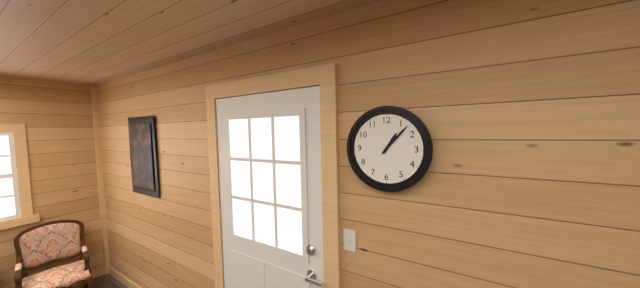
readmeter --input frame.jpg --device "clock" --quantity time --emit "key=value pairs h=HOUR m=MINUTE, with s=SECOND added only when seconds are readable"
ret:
h=1 m=7
